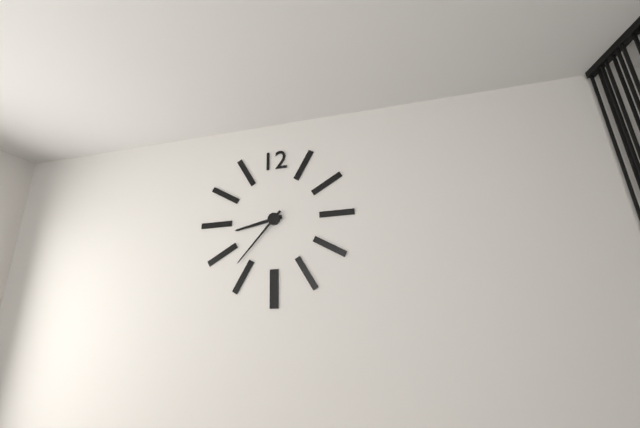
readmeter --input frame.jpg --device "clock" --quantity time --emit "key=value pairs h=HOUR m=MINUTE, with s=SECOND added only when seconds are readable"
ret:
h=8 m=37
